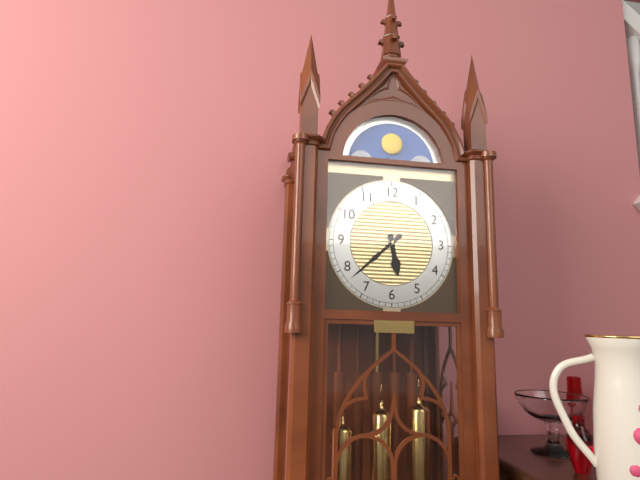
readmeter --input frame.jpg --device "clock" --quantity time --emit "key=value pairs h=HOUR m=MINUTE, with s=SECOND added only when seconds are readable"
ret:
h=5 m=38
